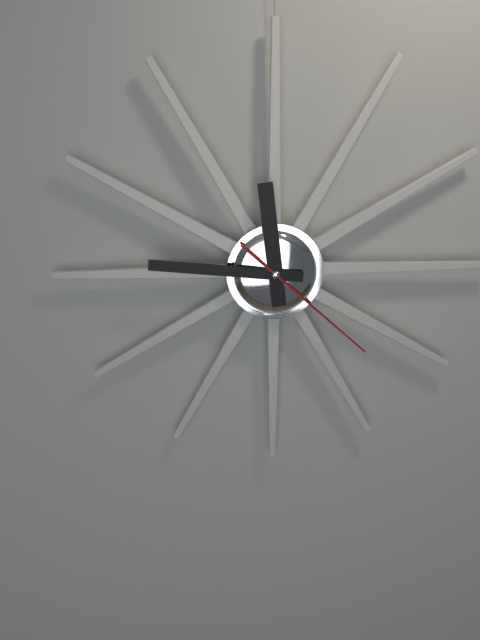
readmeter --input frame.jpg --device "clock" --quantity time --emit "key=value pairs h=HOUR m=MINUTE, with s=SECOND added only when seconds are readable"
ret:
h=11 m=46 s=22
